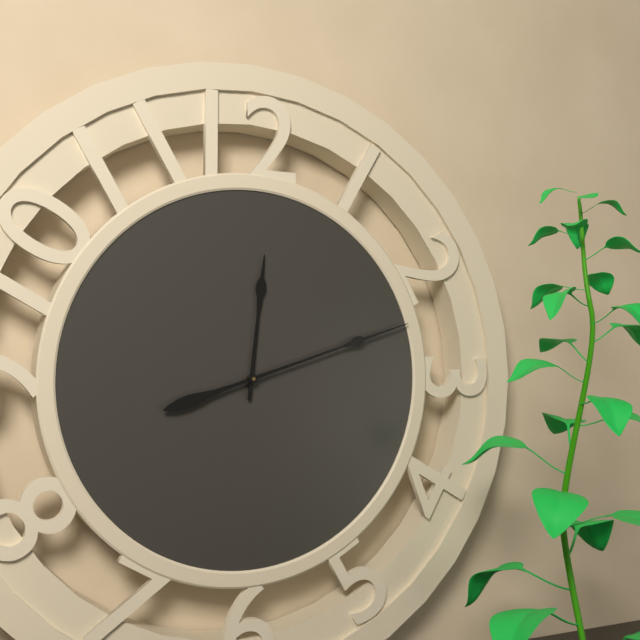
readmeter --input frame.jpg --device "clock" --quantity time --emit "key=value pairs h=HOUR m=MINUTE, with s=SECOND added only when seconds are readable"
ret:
h=12 m=12
